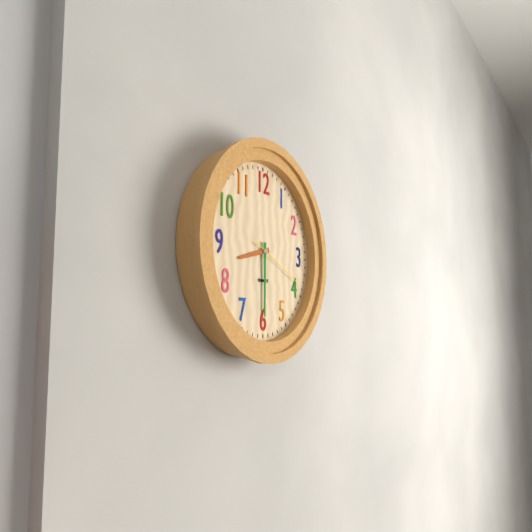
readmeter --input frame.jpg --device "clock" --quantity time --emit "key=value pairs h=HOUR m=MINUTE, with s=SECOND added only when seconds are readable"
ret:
h=8 m=30 s=19
